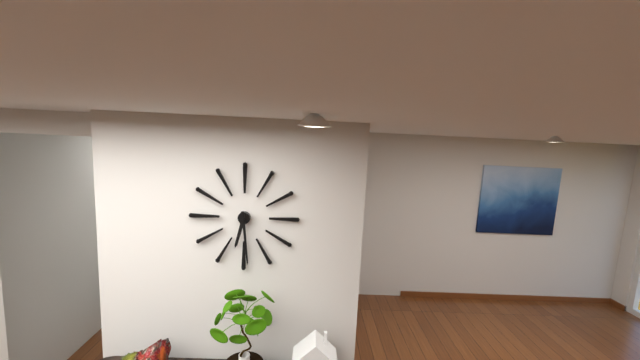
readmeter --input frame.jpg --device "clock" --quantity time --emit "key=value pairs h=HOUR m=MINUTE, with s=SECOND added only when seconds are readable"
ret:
h=6 m=29
